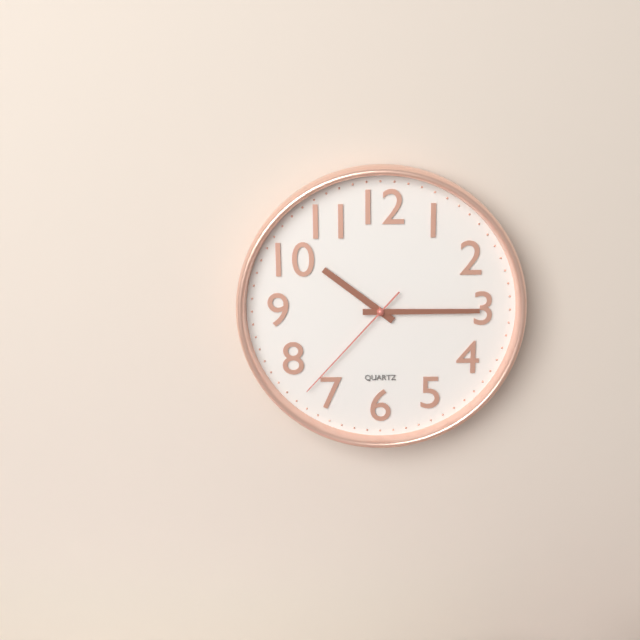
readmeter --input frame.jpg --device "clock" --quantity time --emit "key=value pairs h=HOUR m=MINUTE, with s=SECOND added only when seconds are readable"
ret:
h=10 m=15 s=37
